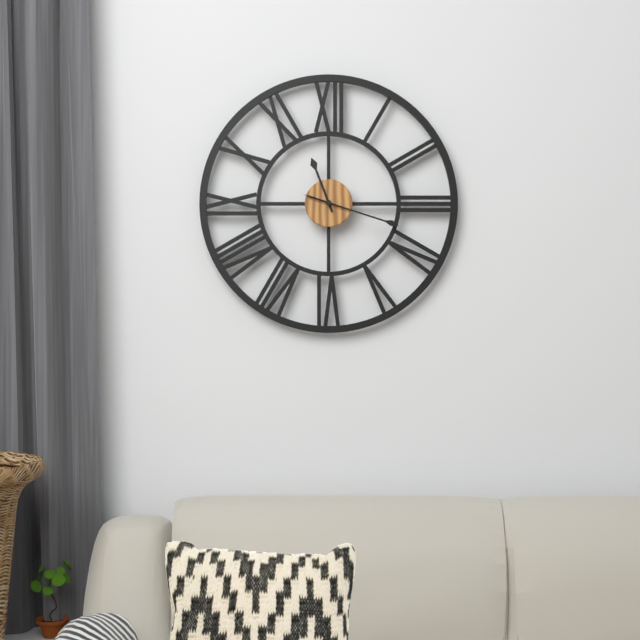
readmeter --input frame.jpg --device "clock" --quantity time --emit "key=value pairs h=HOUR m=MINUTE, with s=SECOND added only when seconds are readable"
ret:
h=11 m=18
